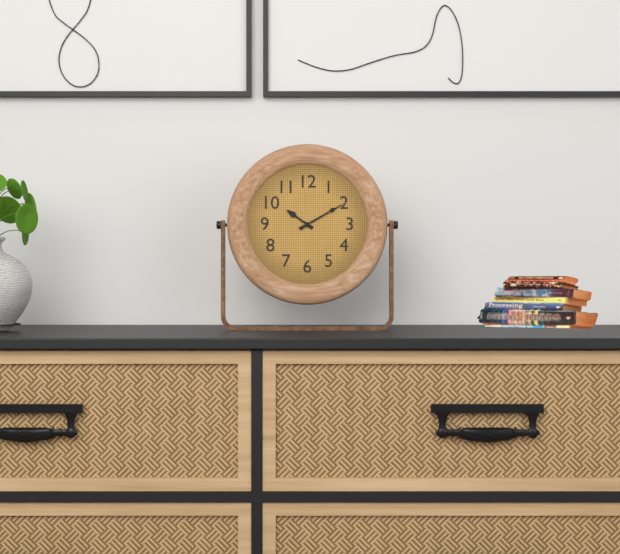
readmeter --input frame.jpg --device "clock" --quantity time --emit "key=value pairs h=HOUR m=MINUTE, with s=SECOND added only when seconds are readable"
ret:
h=10 m=10
